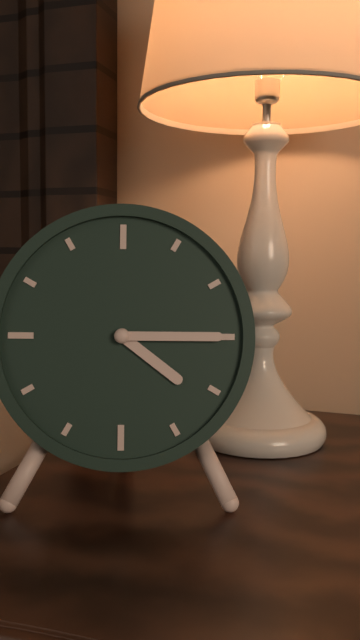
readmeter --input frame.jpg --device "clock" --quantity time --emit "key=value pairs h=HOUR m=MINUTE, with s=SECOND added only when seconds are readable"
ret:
h=4 m=15
